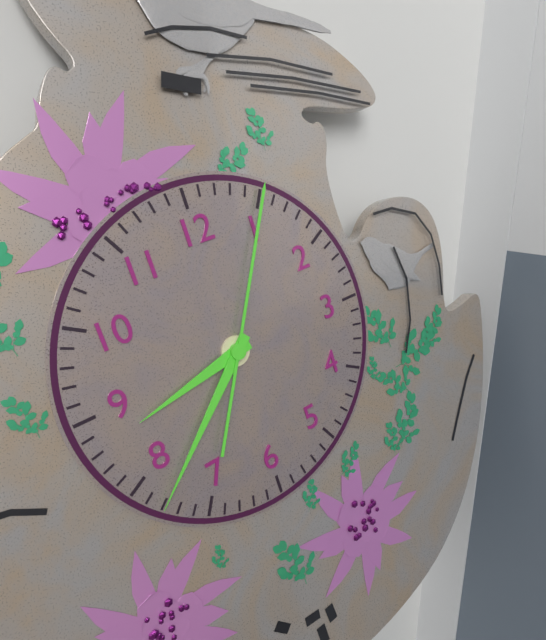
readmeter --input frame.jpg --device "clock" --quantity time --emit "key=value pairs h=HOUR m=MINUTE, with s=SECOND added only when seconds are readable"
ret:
h=8 m=38 s=5
